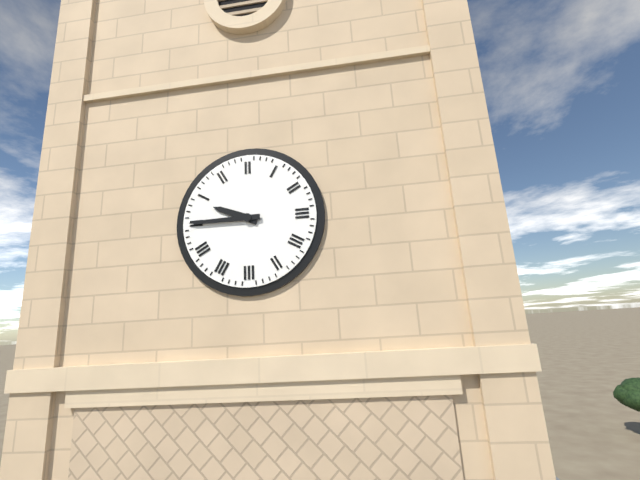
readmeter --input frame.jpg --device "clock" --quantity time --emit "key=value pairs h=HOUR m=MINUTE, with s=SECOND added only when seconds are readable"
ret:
h=9 m=45
